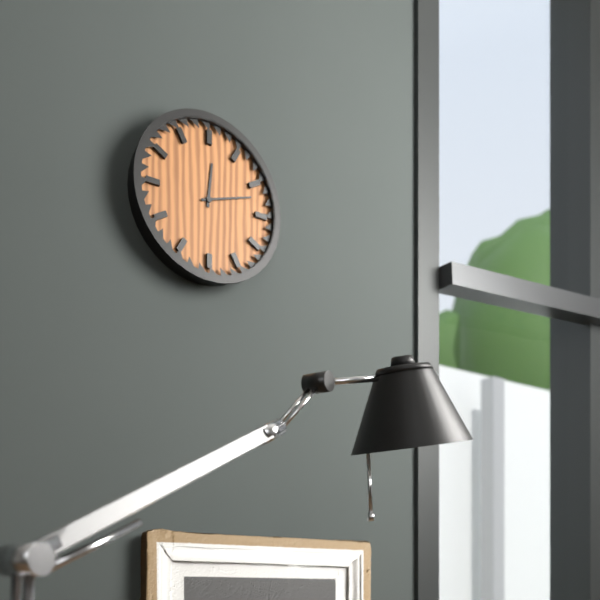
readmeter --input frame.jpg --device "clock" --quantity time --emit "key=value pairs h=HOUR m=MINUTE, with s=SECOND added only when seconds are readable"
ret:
h=12 m=12
